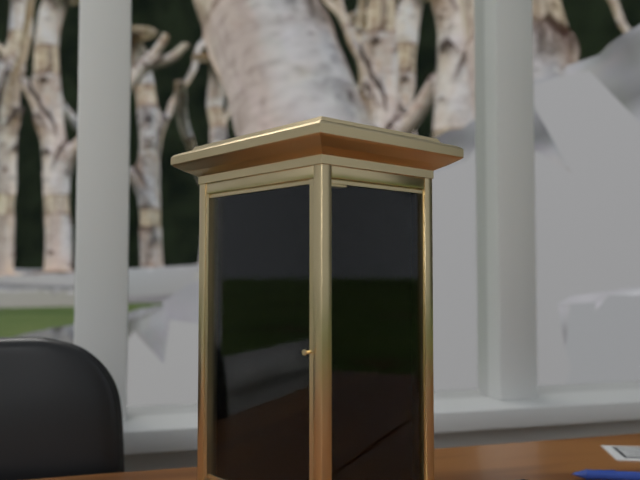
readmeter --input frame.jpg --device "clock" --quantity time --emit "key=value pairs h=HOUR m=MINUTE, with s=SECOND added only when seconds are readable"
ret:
h=2 m=30
